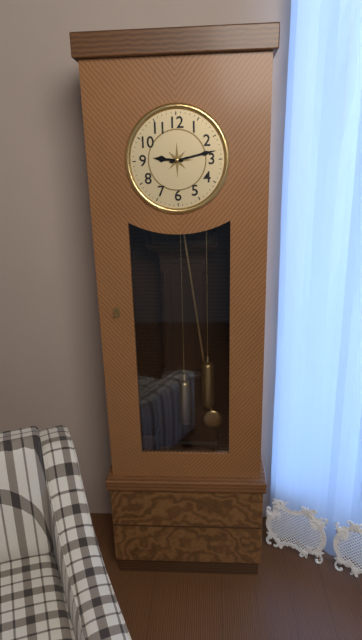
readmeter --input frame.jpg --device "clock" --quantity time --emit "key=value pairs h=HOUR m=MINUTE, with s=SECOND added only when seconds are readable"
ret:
h=9 m=13
